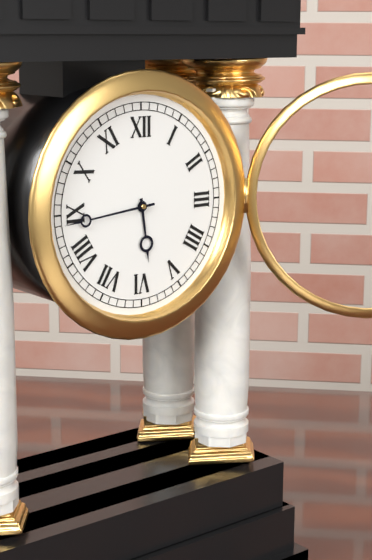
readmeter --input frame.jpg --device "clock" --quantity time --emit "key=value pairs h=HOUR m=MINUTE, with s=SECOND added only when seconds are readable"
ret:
h=5 m=44
